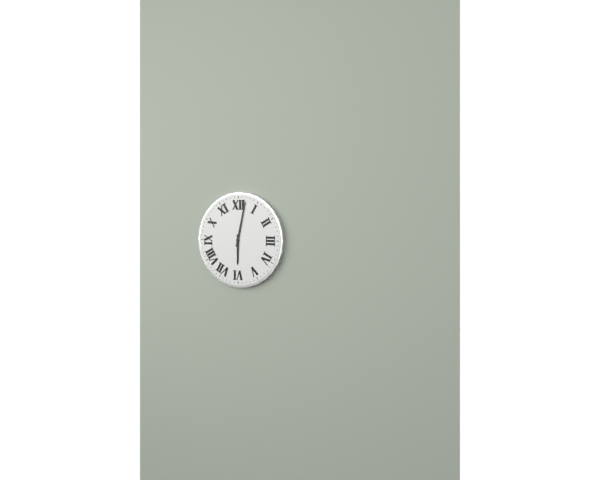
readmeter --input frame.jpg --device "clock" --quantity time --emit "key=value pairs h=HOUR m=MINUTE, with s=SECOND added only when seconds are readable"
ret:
h=6 m=2
